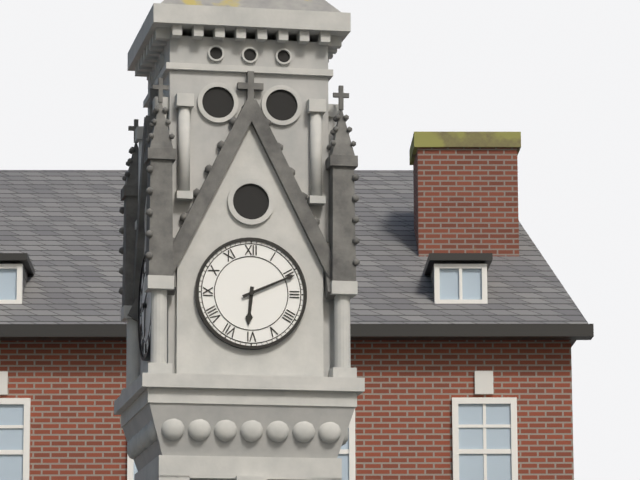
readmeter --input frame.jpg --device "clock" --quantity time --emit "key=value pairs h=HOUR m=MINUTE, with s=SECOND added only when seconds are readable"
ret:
h=6 m=11
